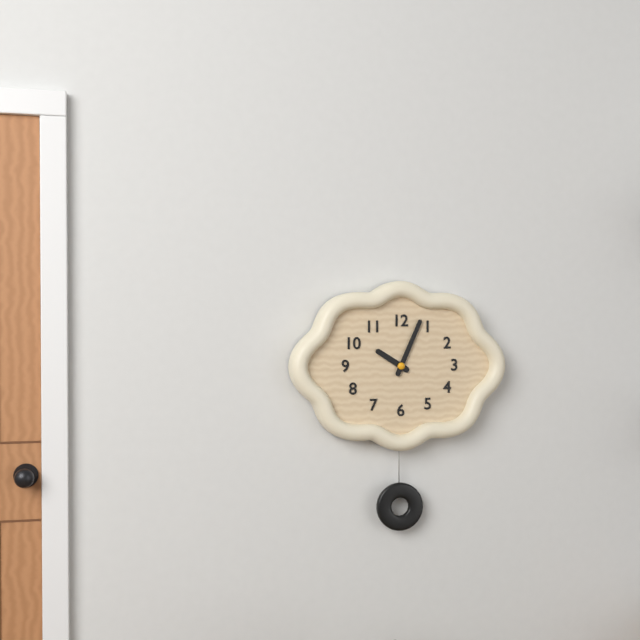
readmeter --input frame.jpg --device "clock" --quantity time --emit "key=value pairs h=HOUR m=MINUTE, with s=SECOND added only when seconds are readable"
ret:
h=10 m=4
